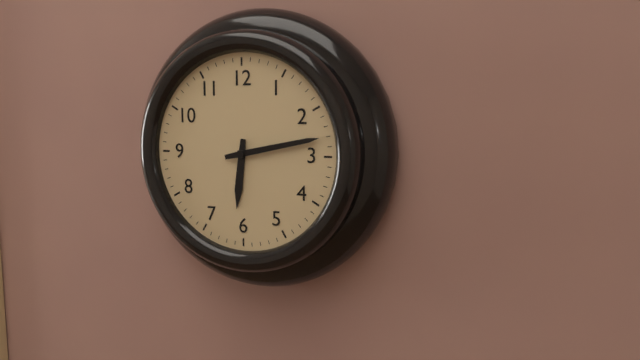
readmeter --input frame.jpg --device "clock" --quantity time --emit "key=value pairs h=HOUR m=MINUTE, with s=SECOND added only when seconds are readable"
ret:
h=6 m=13
